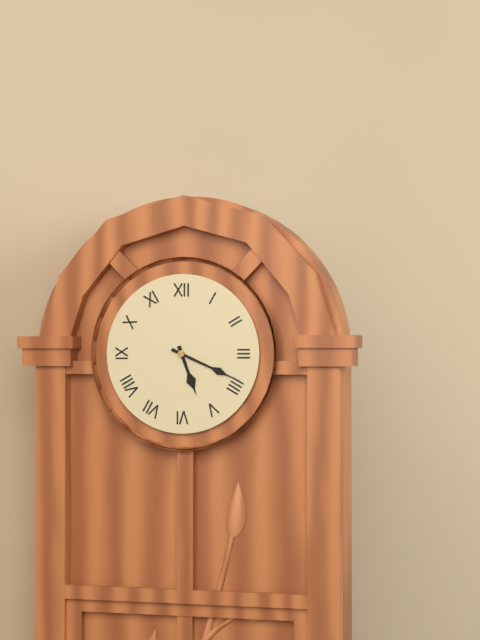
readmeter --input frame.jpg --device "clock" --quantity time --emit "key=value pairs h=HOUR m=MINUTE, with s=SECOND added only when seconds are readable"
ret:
h=5 m=19
